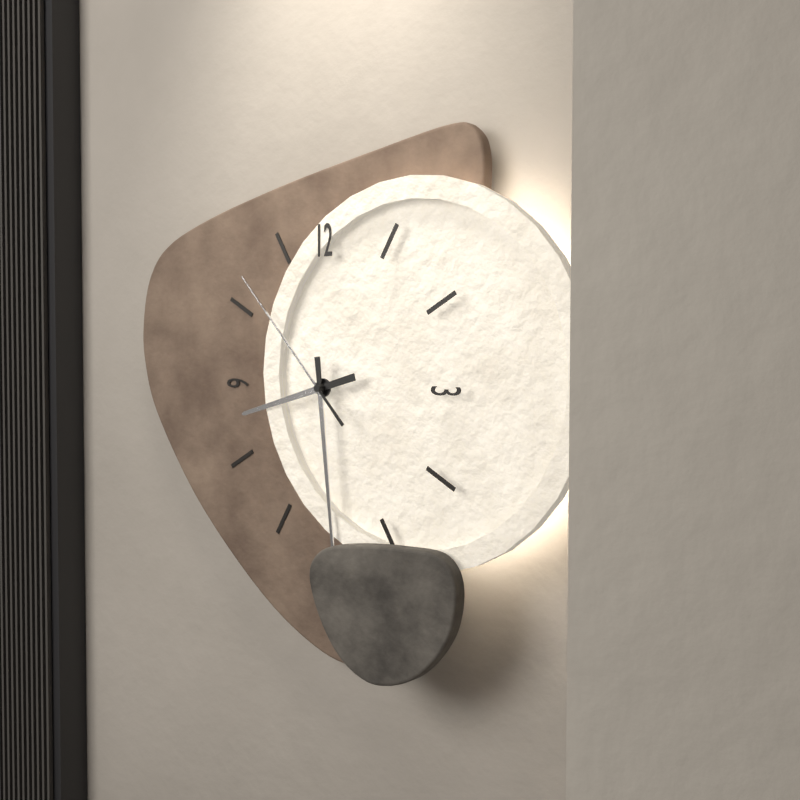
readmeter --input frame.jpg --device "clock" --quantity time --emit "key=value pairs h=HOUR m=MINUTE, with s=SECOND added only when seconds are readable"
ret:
h=8 m=29 s=53
